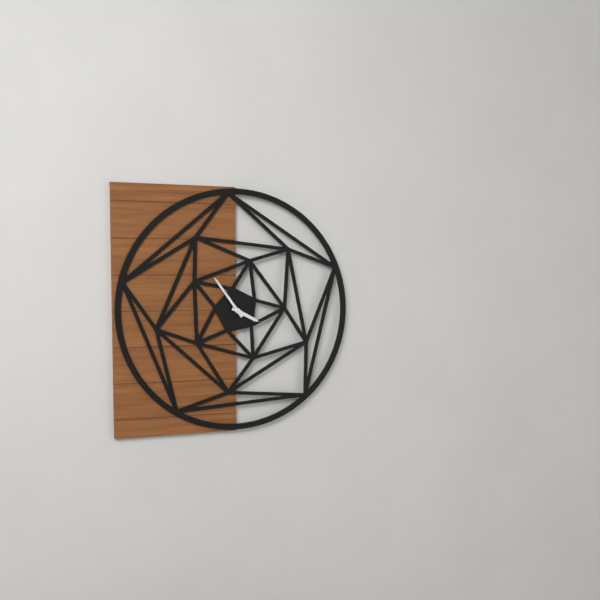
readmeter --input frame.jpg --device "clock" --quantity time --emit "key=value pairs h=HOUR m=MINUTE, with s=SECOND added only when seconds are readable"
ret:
h=3 m=54
